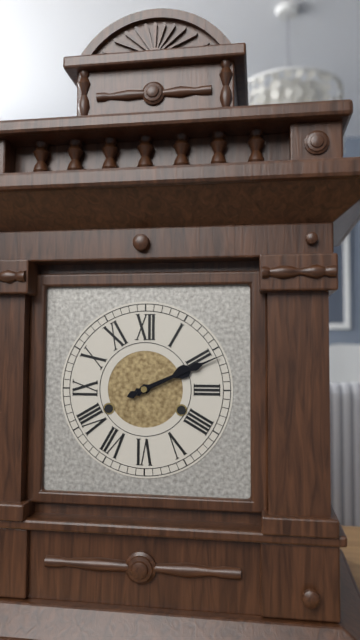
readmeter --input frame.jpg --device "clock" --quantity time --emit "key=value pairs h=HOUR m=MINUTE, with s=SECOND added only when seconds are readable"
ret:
h=2 m=11
